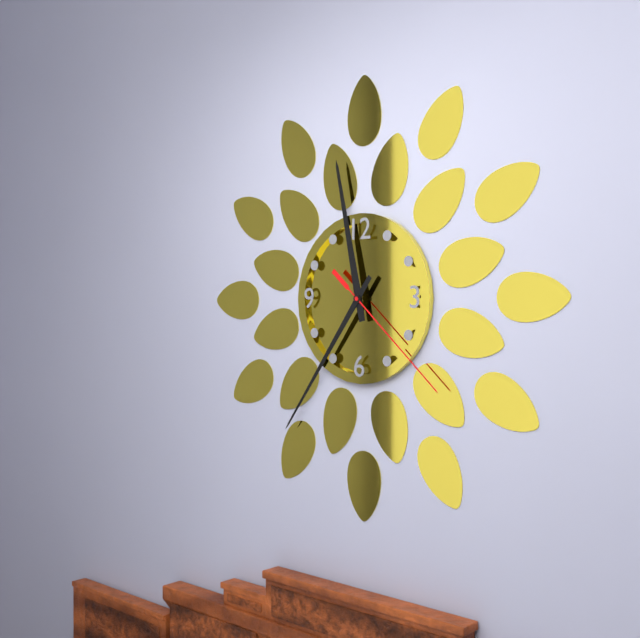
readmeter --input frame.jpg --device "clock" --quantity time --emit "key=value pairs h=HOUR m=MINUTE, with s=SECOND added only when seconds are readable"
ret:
h=11 m=36 s=22
